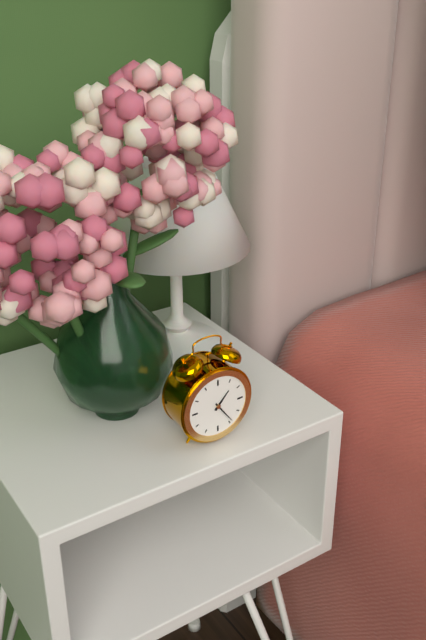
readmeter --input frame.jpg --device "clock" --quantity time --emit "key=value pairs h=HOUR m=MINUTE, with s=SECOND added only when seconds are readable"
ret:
h=1 m=24
